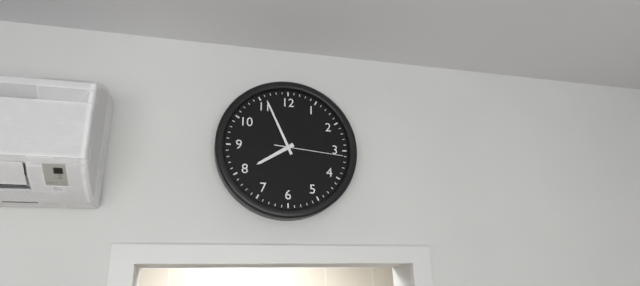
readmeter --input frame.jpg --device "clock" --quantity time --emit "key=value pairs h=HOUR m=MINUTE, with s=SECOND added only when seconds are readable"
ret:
h=7 m=56 s=16
